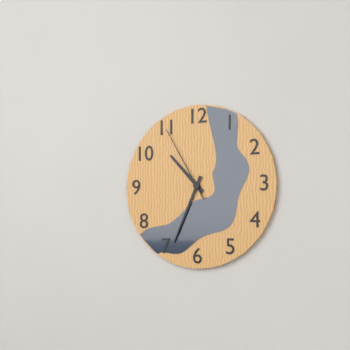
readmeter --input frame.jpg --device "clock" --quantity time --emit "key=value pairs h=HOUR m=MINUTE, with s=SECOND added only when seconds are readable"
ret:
h=10 m=34 s=55
